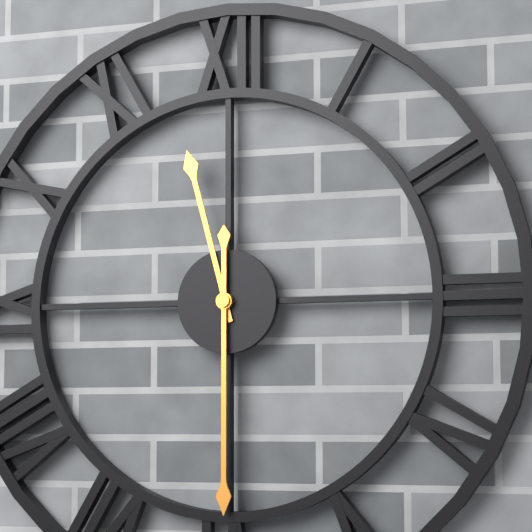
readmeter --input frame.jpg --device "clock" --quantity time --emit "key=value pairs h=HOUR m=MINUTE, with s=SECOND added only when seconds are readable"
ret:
h=11 m=30
